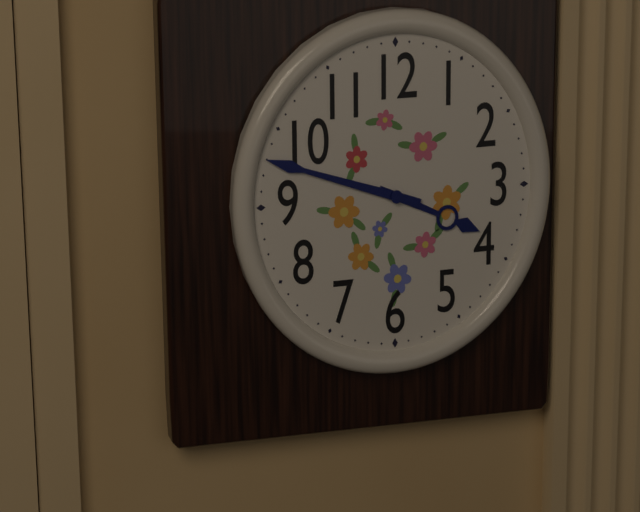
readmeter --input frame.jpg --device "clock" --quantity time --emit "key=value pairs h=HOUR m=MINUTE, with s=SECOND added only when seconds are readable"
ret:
h=3 m=48
